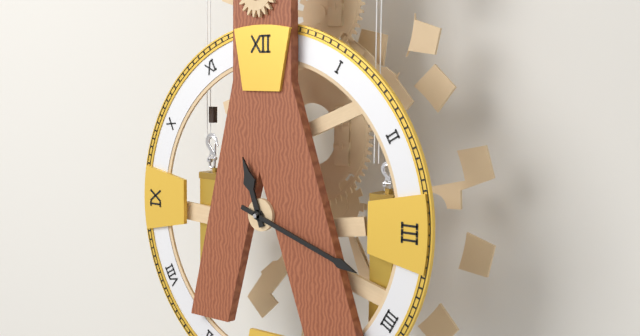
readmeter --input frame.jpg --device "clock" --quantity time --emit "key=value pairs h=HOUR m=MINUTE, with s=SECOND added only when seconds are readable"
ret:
h=11 m=18
